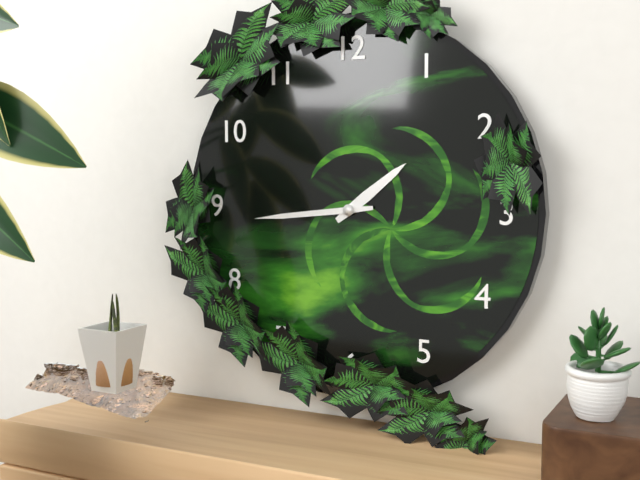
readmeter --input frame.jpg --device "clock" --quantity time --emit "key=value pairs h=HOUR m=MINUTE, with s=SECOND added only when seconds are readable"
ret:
h=1 m=44
